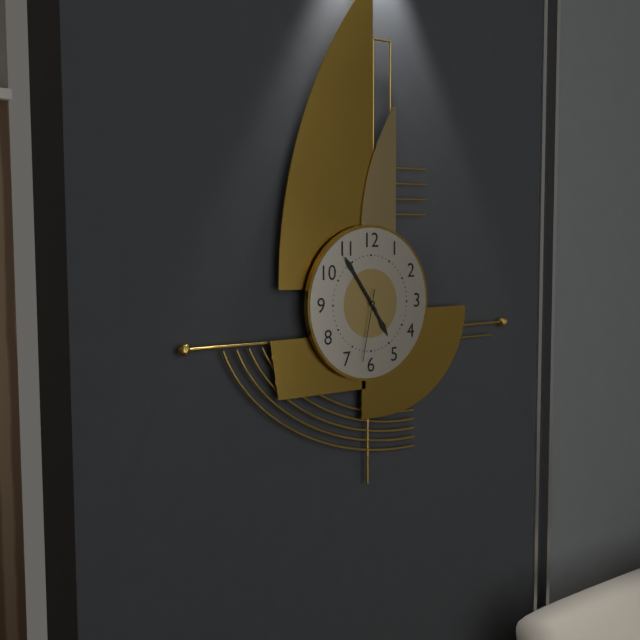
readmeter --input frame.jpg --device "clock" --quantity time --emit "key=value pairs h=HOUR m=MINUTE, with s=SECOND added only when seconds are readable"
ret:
h=4 m=54 s=32
